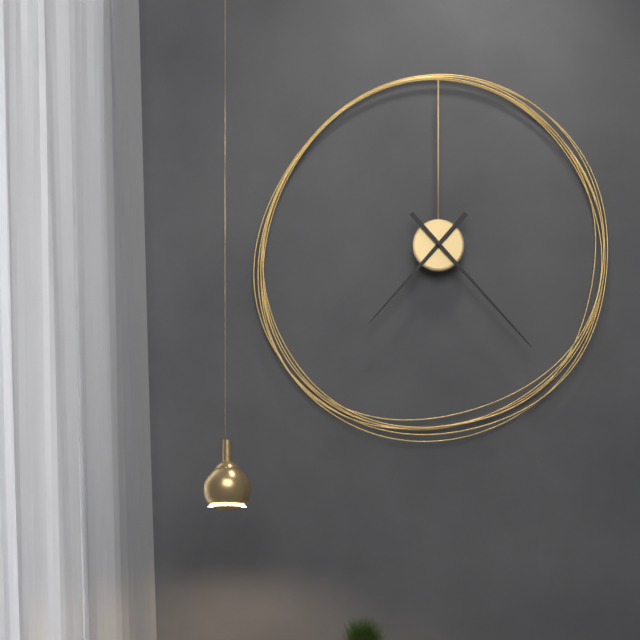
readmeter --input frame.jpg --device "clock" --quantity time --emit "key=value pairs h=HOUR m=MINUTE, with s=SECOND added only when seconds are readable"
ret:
h=7 m=23
